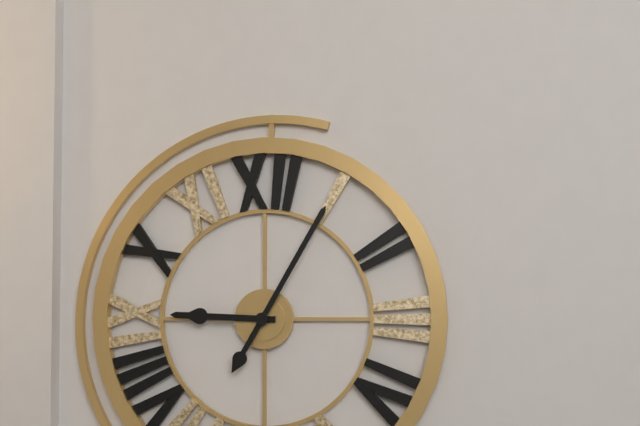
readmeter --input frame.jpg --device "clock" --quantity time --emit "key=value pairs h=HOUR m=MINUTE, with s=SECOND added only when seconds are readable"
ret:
h=9 m=5
